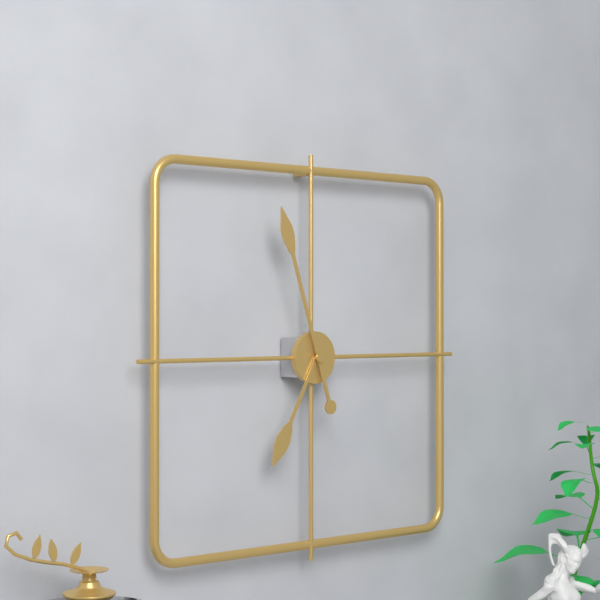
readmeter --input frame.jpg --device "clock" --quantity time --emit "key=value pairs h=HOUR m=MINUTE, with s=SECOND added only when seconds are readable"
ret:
h=6 m=57
